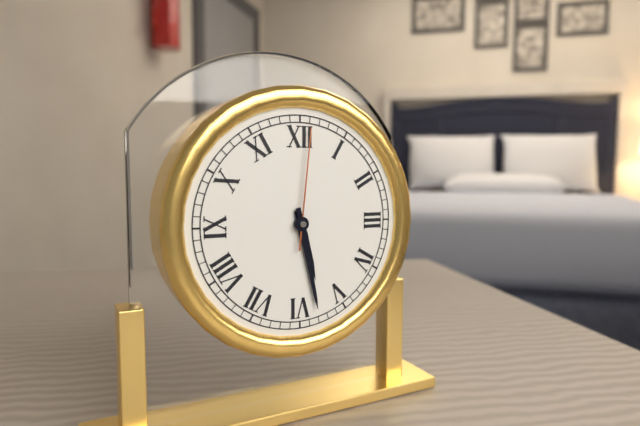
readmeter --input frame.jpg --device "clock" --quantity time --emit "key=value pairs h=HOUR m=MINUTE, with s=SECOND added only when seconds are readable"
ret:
h=5 m=28 s=1
